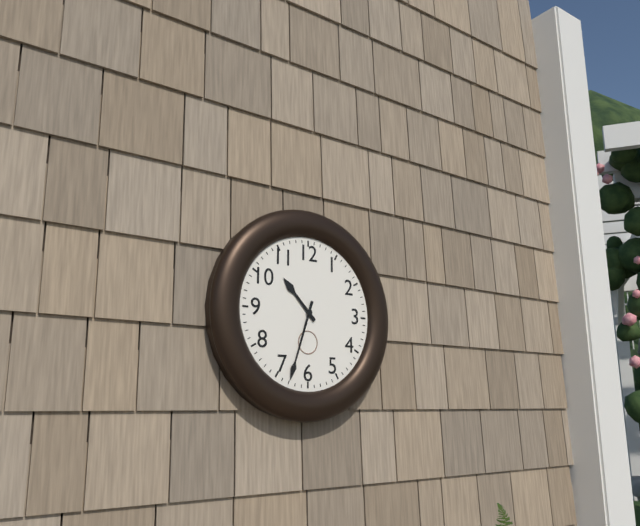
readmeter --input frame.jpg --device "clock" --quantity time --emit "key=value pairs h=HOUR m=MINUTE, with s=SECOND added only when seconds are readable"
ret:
h=10 m=33
